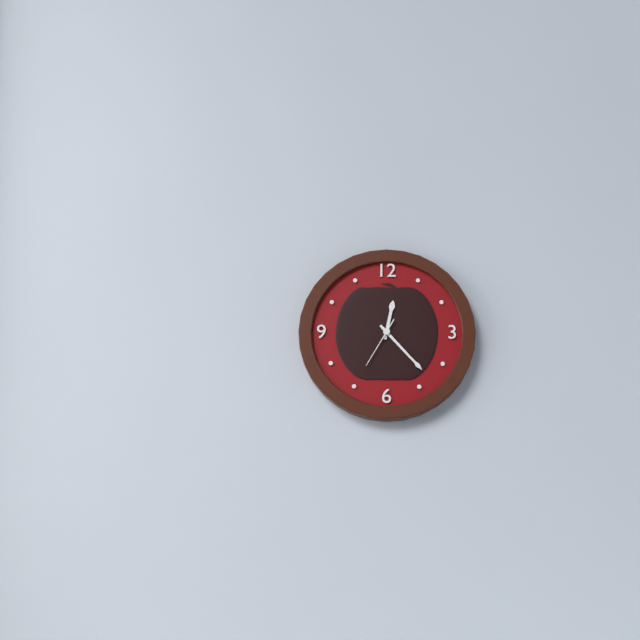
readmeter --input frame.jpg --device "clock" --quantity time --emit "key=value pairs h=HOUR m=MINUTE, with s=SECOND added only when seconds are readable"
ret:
h=12 m=23
